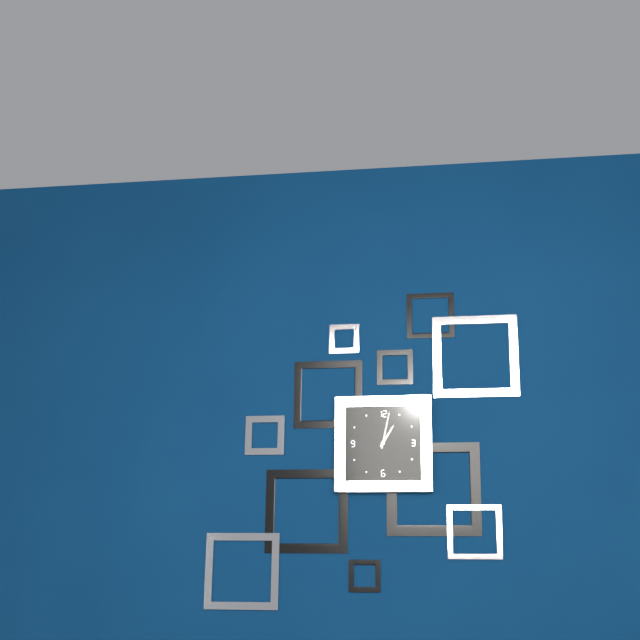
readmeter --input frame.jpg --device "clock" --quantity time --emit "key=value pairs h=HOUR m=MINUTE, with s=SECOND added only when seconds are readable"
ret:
h=1 m=2
